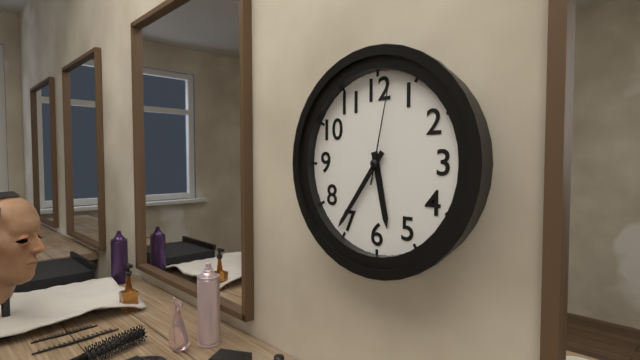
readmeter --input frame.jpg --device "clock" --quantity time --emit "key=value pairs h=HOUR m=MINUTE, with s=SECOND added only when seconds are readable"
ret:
h=5 m=36 s=2
